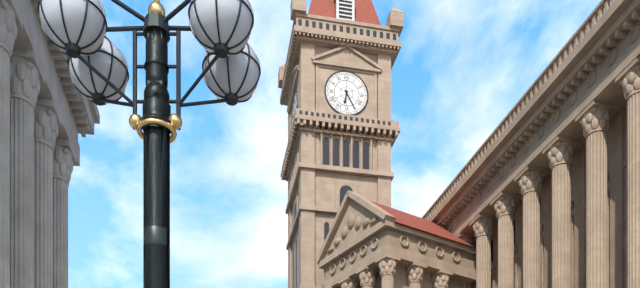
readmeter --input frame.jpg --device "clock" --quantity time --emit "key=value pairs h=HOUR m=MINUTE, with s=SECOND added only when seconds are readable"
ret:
h=6 m=25
